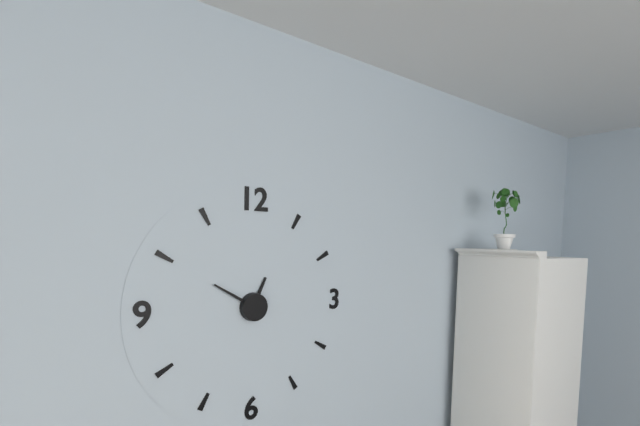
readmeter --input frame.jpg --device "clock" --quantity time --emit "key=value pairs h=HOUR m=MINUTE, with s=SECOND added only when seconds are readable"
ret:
h=12 m=50
